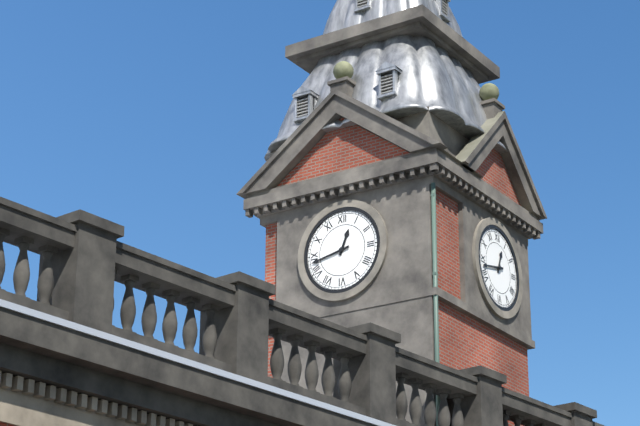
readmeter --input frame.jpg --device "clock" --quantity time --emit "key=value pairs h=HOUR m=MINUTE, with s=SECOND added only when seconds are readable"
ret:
h=12 m=43
